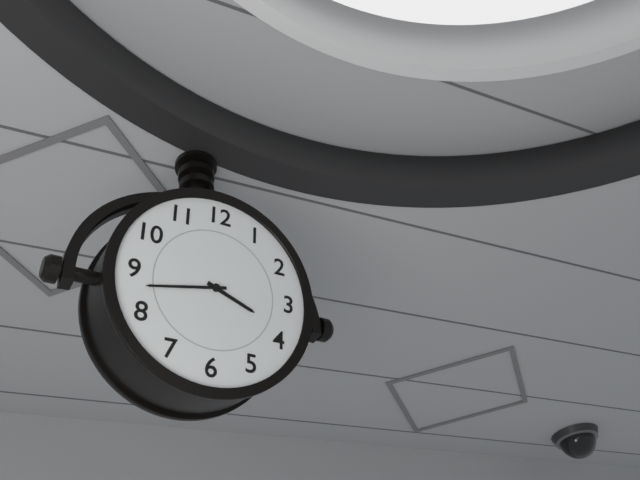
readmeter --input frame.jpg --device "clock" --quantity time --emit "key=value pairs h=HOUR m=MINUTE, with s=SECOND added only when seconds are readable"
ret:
h=3 m=43
